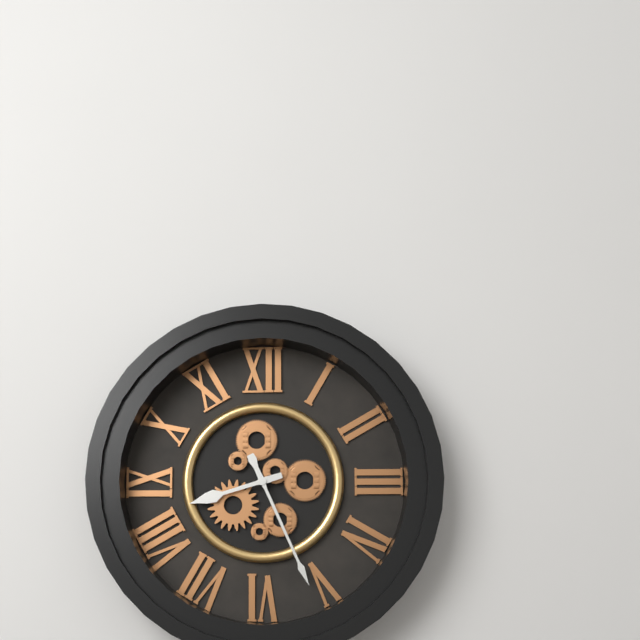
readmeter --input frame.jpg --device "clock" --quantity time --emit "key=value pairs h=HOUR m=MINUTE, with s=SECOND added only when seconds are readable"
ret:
h=8 m=26
